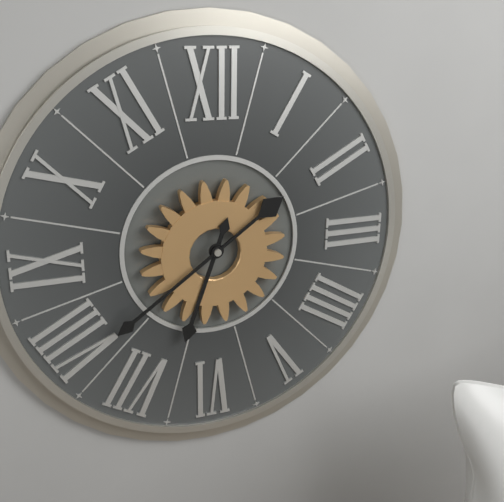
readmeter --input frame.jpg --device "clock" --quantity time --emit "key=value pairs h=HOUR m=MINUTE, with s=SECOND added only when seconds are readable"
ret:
h=6 m=39
